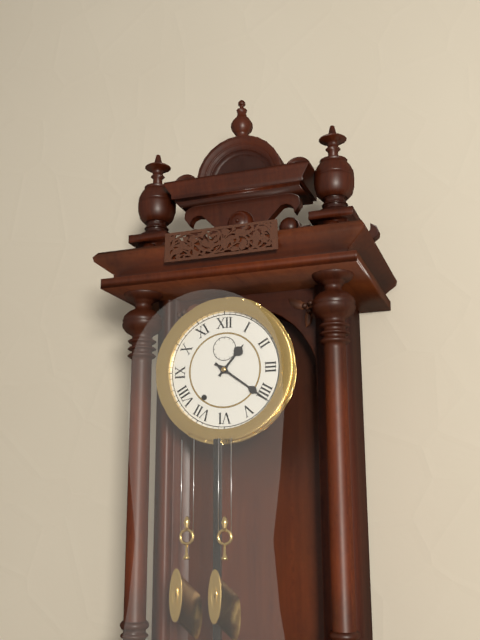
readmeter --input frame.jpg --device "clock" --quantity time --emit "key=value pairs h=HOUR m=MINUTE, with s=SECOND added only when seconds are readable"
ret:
h=1 m=21
